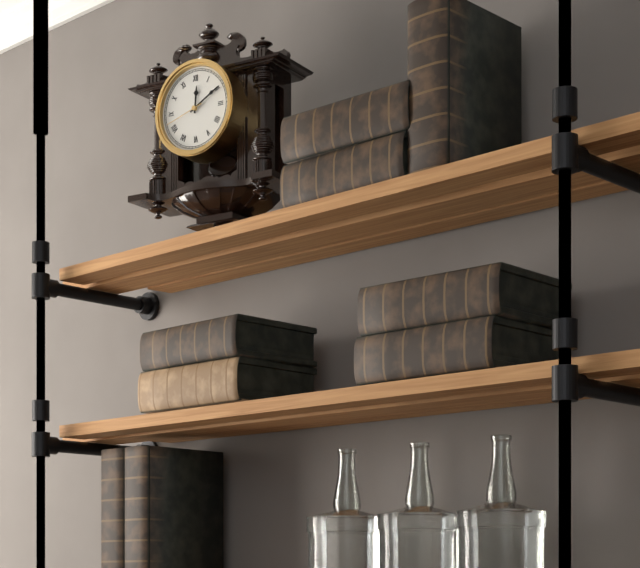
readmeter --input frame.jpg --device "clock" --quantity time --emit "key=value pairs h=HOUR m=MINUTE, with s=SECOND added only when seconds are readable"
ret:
h=12 m=10
